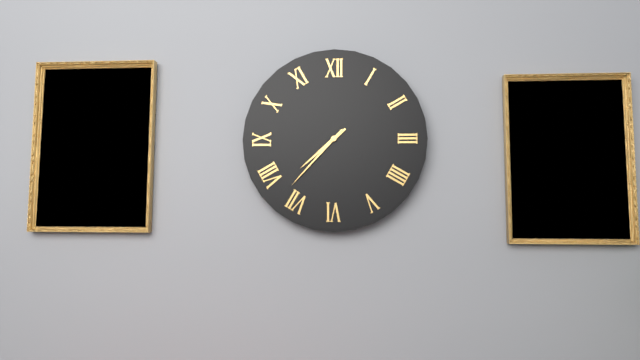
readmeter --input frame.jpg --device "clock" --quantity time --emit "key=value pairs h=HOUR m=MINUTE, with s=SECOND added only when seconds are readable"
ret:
h=7 m=37
